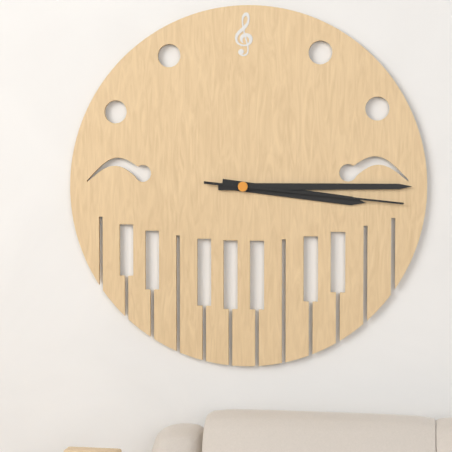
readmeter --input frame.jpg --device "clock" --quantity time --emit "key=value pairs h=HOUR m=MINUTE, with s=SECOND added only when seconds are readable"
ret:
h=3 m=15 s=16
